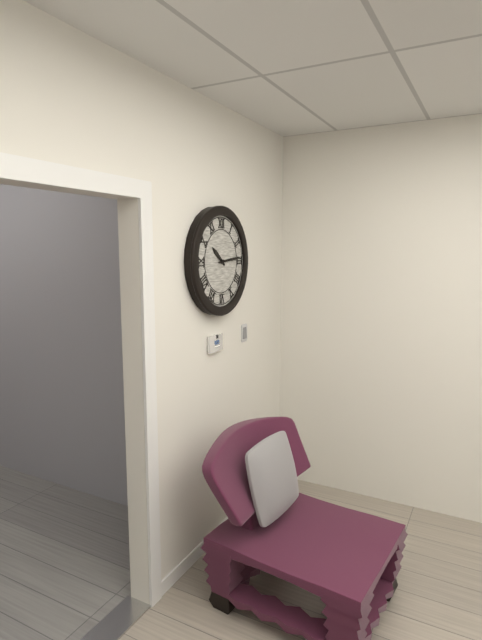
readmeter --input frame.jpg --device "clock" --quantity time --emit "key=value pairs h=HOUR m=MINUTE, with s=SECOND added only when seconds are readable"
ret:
h=10 m=14
